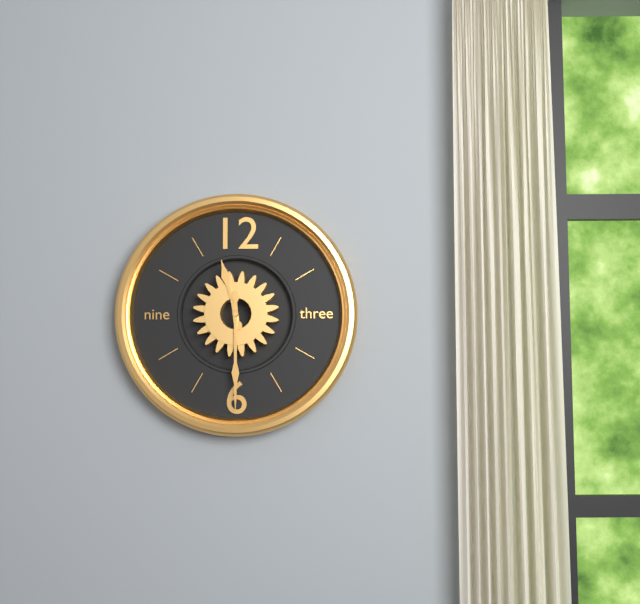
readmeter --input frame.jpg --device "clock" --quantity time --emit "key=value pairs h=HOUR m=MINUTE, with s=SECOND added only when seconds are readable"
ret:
h=11 m=30
